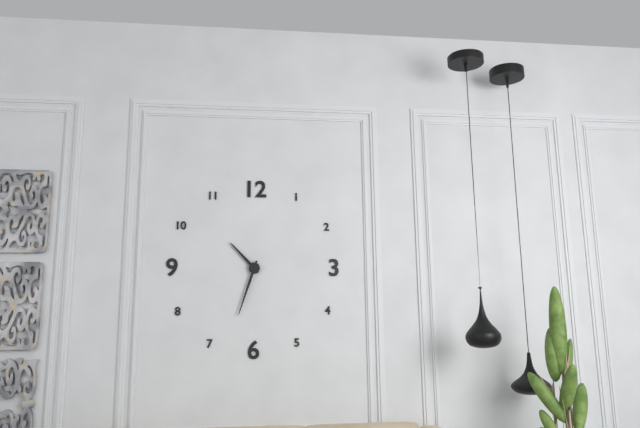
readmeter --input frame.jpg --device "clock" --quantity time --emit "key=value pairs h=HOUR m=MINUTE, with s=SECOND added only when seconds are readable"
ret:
h=10 m=33
